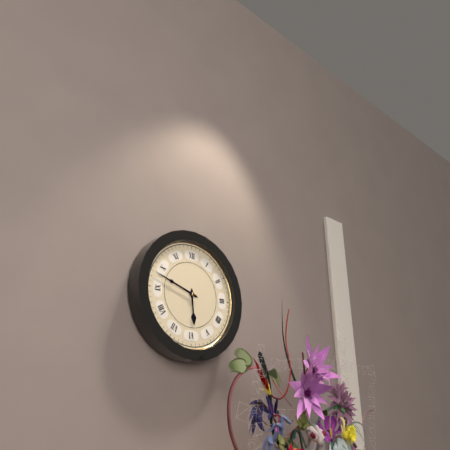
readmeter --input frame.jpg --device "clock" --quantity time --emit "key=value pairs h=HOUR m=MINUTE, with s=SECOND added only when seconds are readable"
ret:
h=5 m=48
